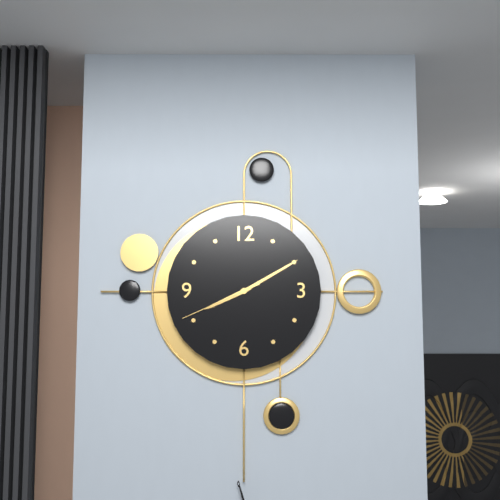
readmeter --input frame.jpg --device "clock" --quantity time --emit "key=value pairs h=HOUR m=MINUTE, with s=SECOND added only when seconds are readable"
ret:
h=8 m=10 s=41
